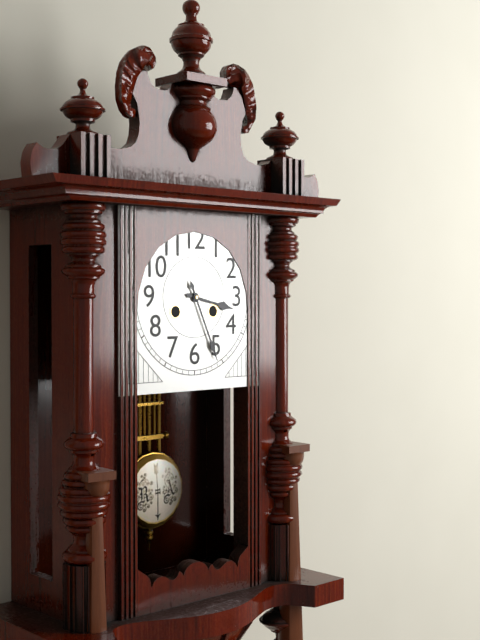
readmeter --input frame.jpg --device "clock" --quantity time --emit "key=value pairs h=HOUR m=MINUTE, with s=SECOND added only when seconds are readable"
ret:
h=3 m=26
